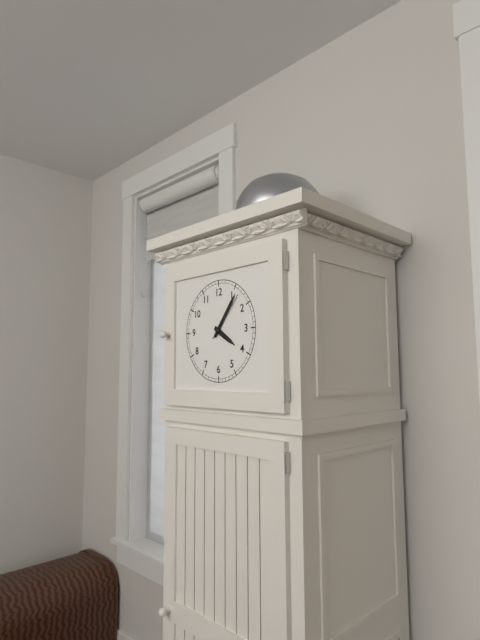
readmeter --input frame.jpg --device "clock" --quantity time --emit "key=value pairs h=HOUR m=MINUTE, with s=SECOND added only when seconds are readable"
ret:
h=4 m=6 s=7
